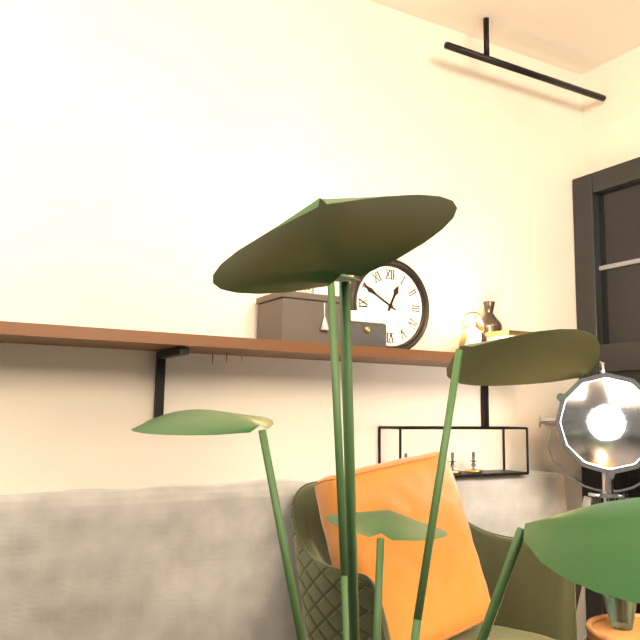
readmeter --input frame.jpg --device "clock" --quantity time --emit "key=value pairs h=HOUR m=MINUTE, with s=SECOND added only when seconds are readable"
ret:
h=12 m=50
